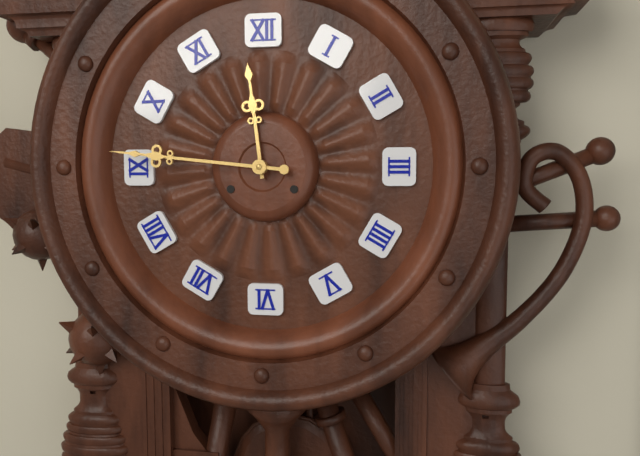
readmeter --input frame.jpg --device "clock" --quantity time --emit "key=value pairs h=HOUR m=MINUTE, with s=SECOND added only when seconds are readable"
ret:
h=11 m=46
